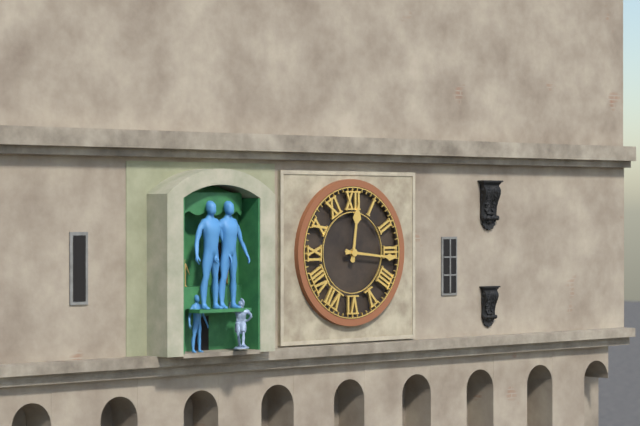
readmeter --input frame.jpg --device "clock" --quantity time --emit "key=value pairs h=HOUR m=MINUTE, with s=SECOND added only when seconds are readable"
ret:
h=12 m=16
